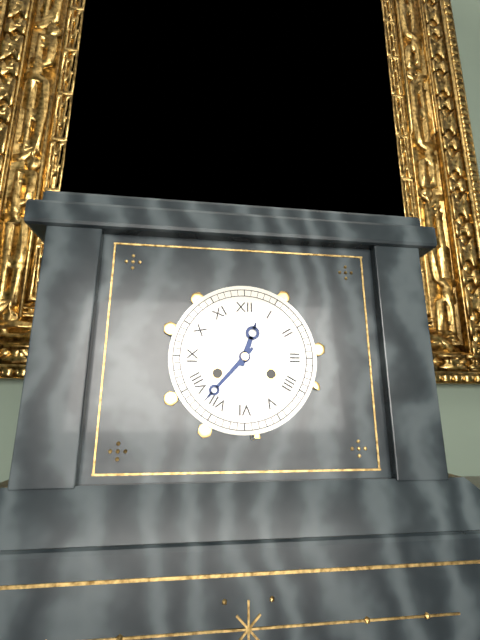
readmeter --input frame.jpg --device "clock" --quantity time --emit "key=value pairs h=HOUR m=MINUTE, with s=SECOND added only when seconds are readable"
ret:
h=12 m=37
